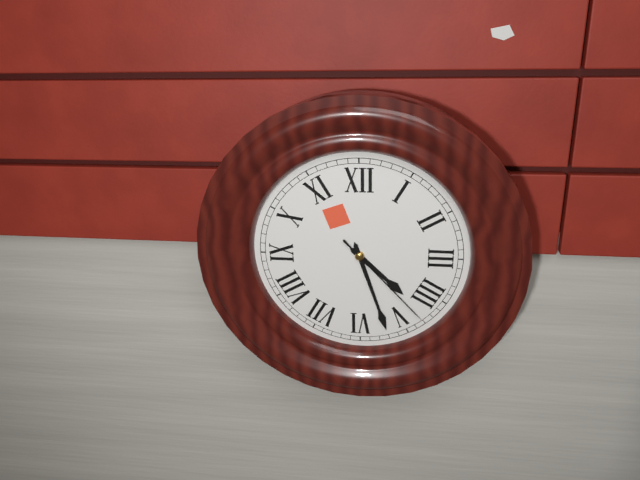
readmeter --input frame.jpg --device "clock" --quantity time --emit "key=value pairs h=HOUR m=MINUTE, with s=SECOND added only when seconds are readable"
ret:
h=4 m=27 s=23
